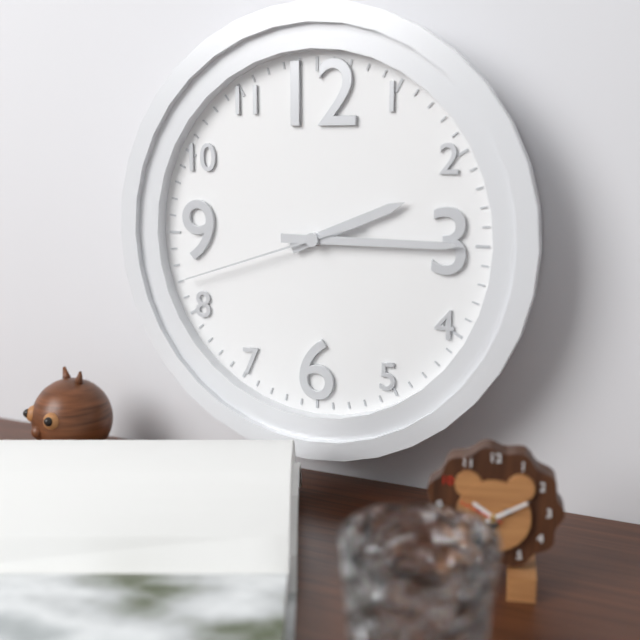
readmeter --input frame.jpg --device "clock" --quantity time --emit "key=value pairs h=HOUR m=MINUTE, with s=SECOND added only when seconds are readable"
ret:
h=2 m=15 s=42
